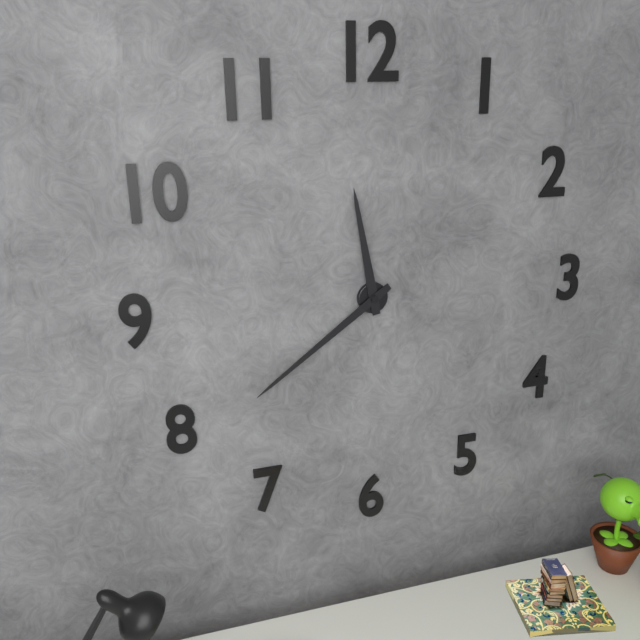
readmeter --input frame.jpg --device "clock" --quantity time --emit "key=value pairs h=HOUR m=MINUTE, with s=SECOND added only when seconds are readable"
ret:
h=11 m=39
